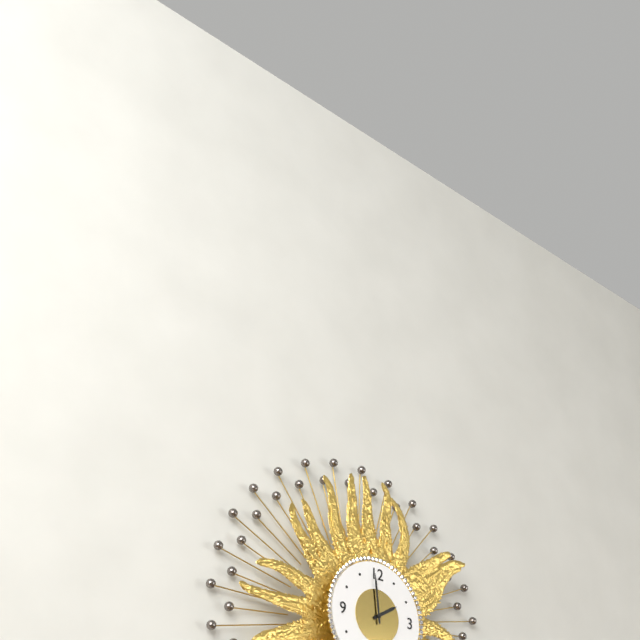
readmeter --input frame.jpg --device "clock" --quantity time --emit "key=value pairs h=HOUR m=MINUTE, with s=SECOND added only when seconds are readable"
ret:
h=1 m=59
